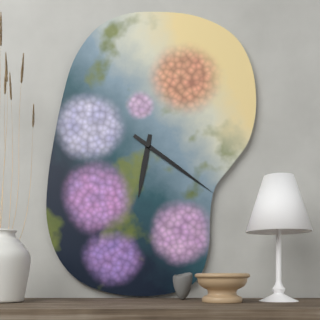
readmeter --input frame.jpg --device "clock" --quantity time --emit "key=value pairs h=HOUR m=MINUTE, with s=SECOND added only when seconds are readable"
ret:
h=6 m=21
